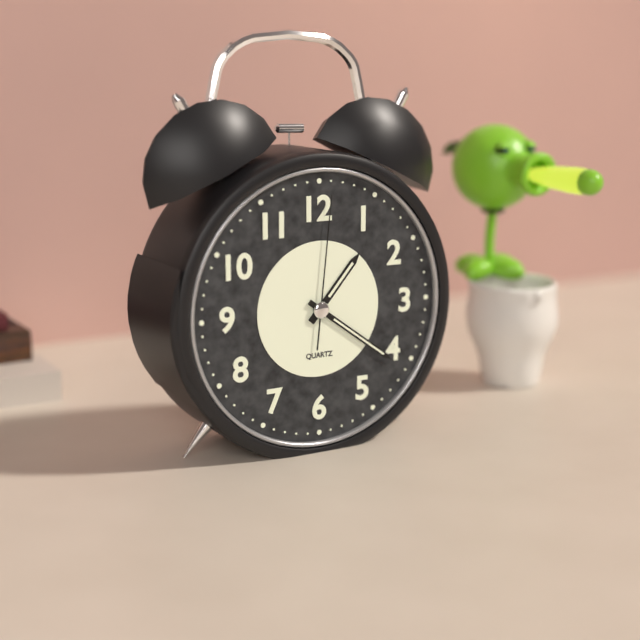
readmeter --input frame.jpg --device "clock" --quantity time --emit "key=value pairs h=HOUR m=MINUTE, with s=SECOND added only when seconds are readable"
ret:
h=1 m=21 s=1
